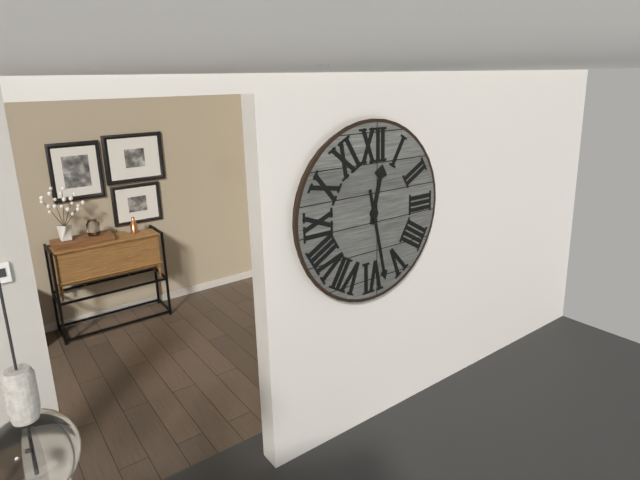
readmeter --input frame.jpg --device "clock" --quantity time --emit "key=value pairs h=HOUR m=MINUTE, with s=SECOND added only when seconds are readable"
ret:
h=12 m=28
